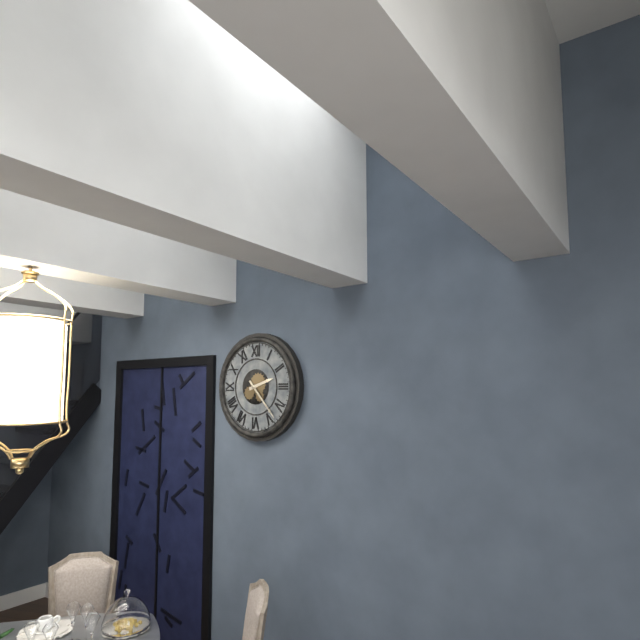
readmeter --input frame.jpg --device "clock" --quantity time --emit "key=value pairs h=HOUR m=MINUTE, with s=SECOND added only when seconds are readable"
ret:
h=2 m=23
